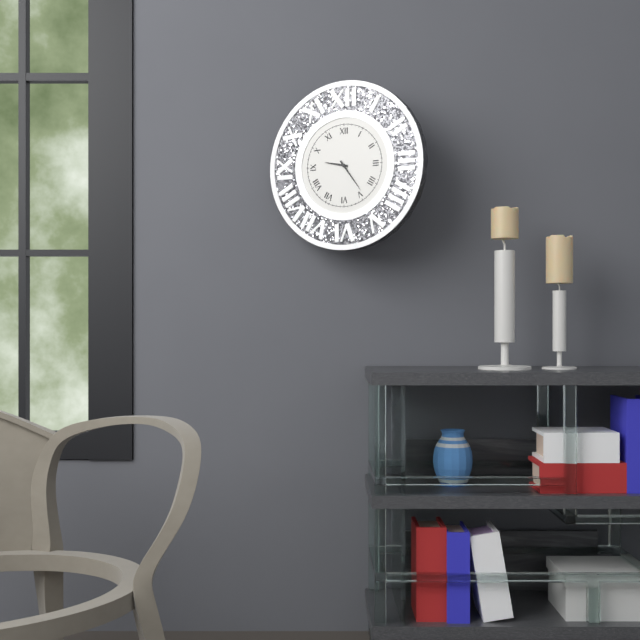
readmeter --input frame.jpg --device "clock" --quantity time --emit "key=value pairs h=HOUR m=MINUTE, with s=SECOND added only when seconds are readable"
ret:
h=9 m=24
